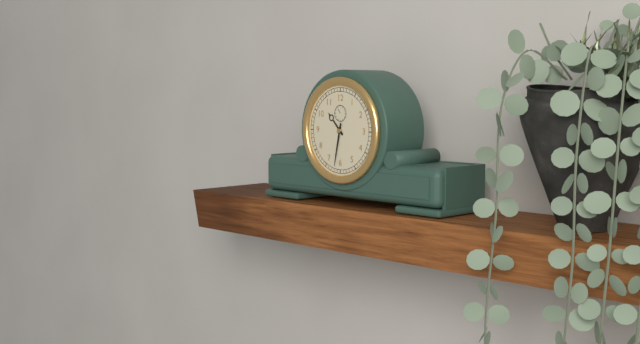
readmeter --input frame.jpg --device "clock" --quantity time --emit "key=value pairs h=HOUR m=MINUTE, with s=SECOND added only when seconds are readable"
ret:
h=10 m=32
